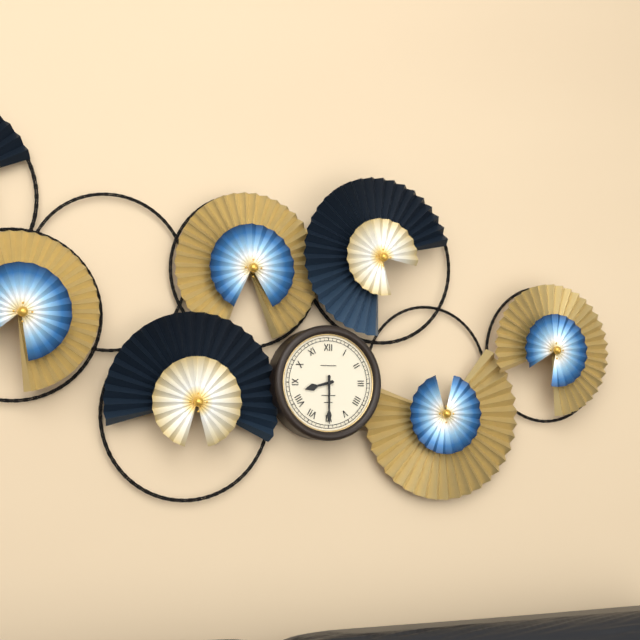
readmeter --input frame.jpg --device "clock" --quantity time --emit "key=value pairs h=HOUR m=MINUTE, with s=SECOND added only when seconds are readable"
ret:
h=8 m=30
